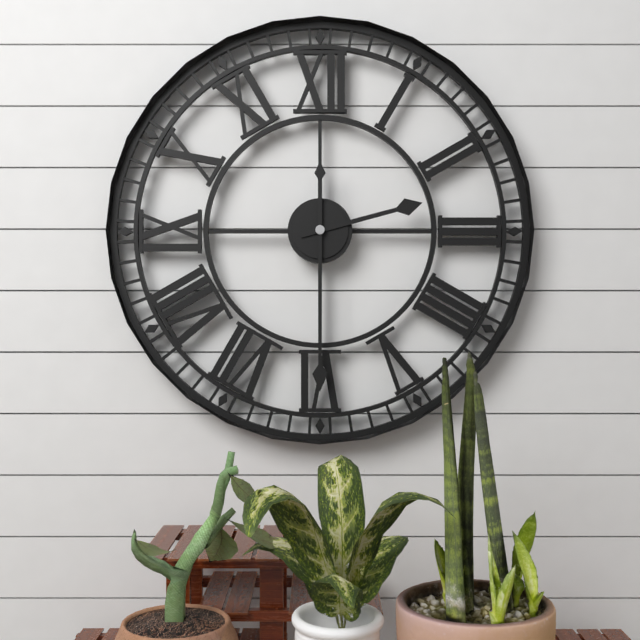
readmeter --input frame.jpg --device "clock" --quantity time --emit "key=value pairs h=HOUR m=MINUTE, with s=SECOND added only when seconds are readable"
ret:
h=2 m=30
